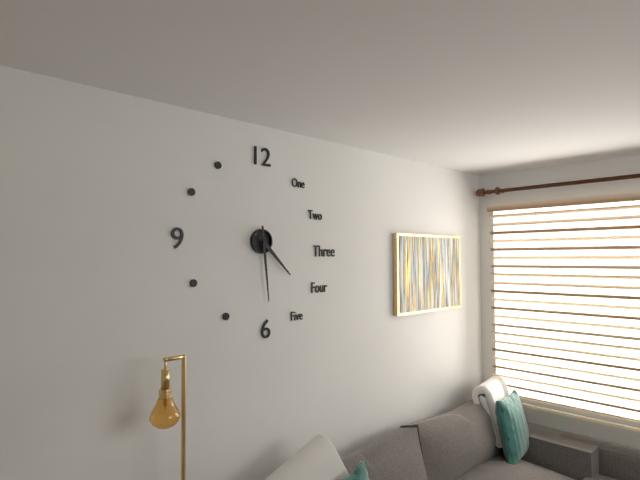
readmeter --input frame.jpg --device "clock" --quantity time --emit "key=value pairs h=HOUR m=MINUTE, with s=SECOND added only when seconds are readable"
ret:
h=4 m=29
